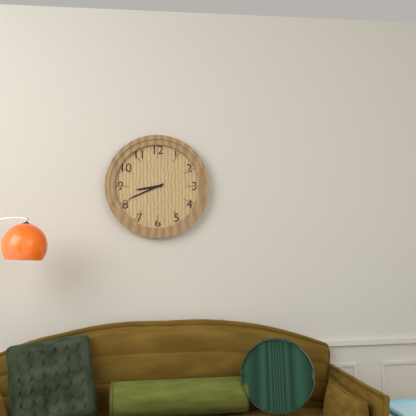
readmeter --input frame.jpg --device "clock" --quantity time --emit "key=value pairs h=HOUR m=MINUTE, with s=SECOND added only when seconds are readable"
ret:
h=8 m=41
